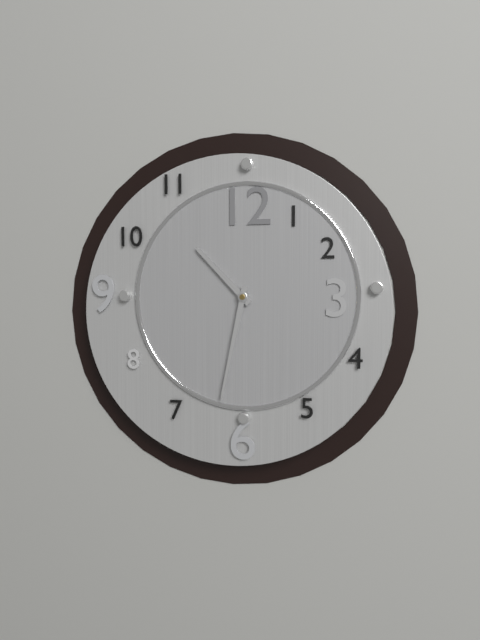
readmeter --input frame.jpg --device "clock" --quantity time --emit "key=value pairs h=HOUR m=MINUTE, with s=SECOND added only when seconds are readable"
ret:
h=10 m=32
